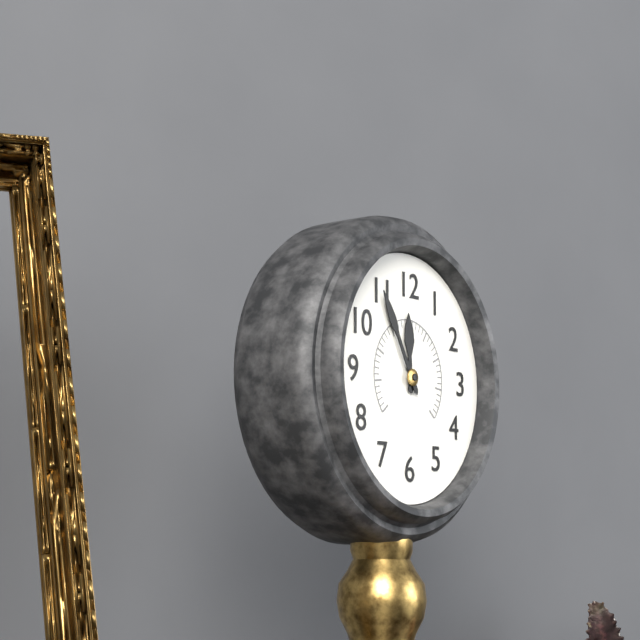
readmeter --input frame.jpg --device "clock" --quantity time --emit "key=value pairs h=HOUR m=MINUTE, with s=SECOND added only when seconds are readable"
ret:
h=11 m=55
